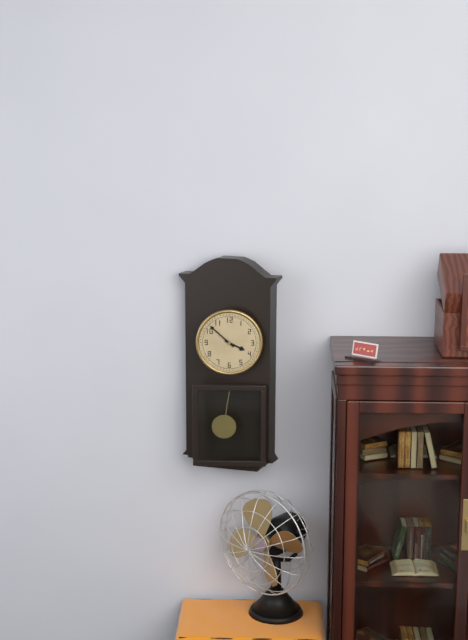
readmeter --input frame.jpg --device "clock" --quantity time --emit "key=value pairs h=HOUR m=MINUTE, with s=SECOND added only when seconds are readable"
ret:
h=3 m=52
